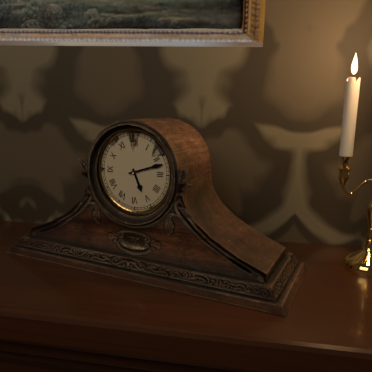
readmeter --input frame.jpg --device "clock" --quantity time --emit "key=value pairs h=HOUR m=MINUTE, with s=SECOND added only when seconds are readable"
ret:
h=5 m=12
